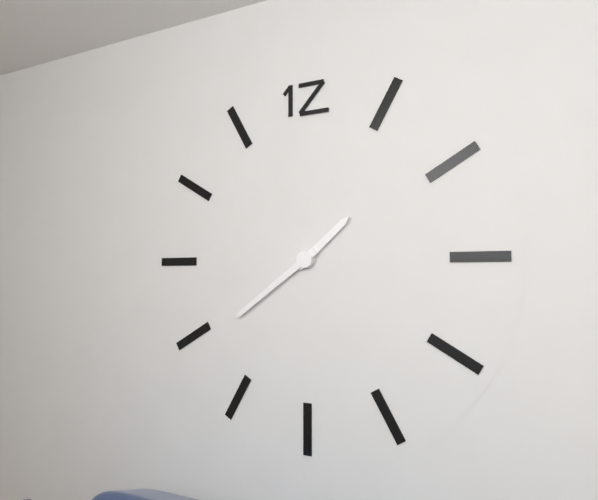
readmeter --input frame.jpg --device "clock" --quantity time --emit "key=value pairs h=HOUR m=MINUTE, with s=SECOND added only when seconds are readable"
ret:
h=1 m=39
